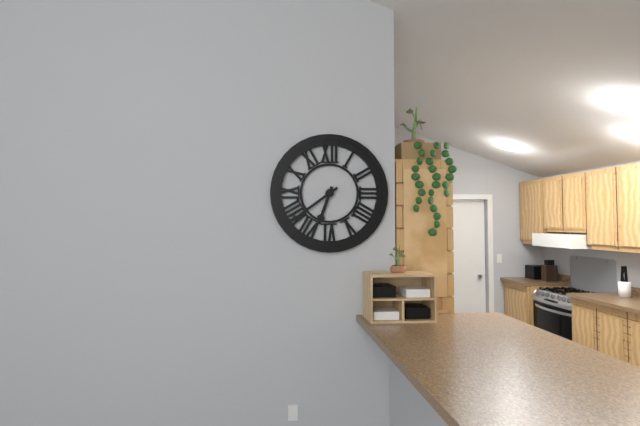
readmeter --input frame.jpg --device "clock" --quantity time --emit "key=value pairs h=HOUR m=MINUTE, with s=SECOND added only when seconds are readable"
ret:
h=6 m=39
